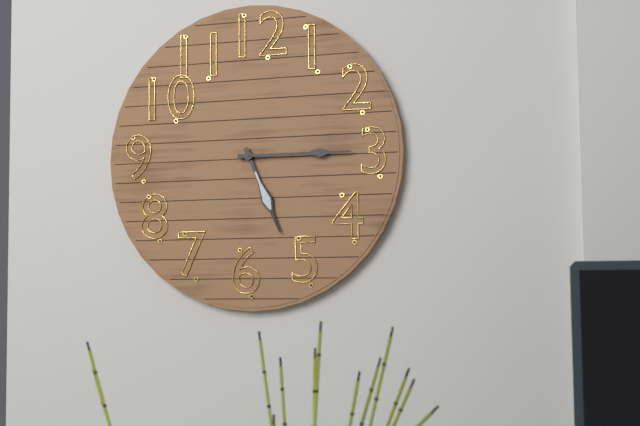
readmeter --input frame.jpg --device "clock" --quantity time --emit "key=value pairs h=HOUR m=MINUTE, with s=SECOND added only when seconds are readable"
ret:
h=5 m=15
